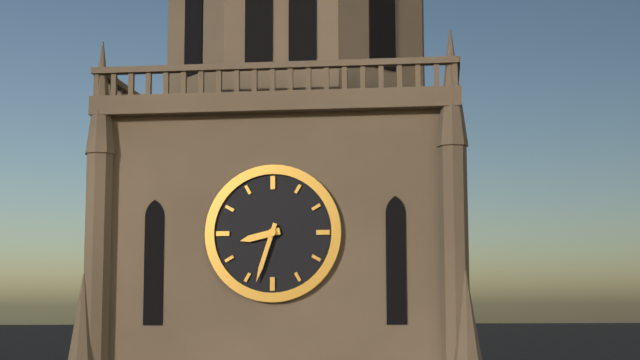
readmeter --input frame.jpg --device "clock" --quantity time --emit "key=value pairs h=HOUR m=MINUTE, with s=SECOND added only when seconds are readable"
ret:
h=8 m=33
